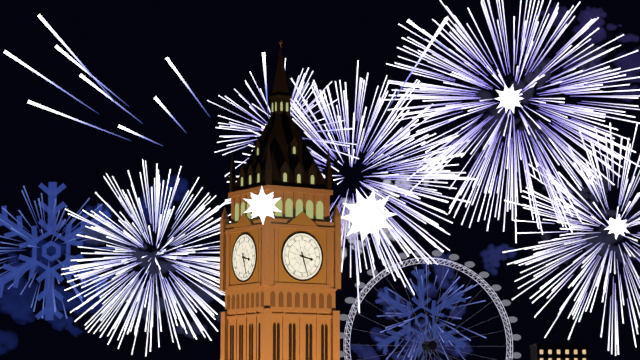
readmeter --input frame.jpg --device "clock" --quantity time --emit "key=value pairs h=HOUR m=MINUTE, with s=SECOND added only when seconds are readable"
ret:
h=3 m=27
